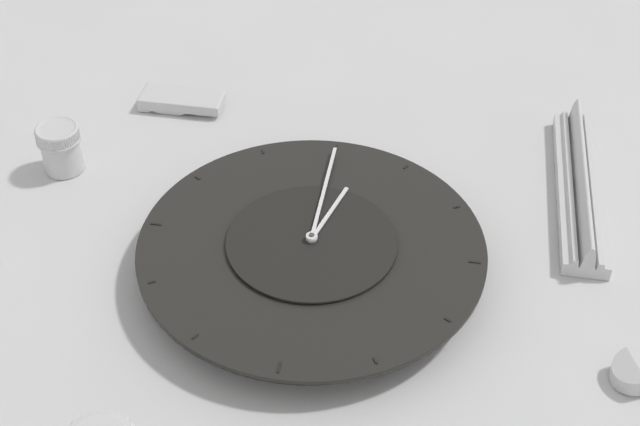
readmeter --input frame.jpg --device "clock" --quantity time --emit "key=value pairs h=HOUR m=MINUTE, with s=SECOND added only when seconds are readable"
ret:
h=6 m=30
